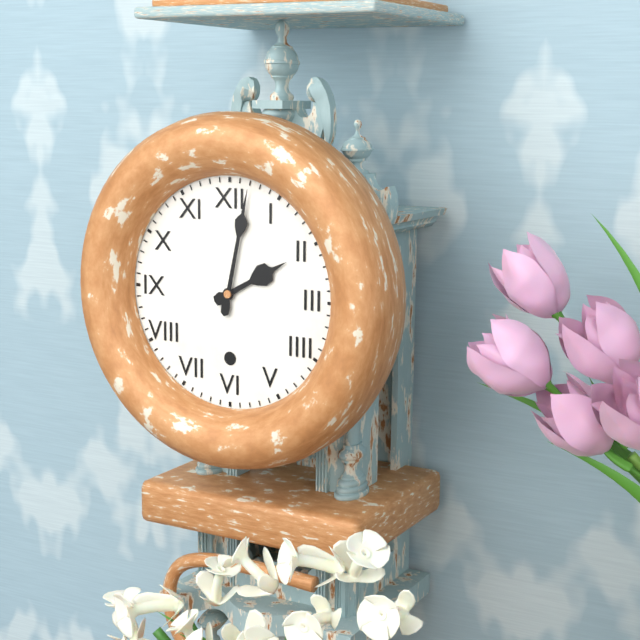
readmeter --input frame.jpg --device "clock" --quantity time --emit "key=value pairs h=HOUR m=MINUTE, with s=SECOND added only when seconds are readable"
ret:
h=2 m=2
